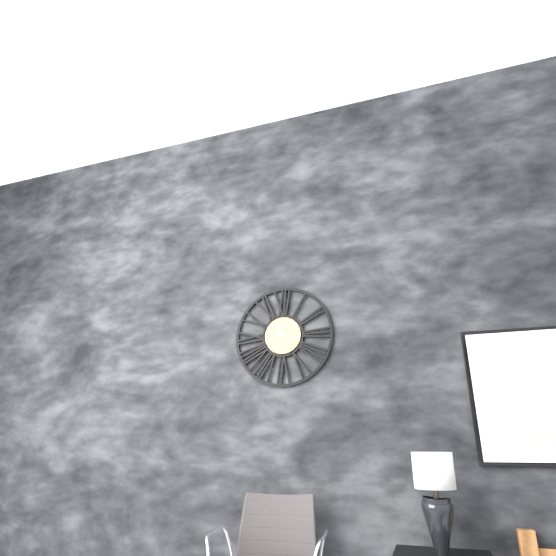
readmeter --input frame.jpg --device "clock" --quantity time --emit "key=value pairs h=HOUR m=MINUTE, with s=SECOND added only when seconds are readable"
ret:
h=11 m=17
